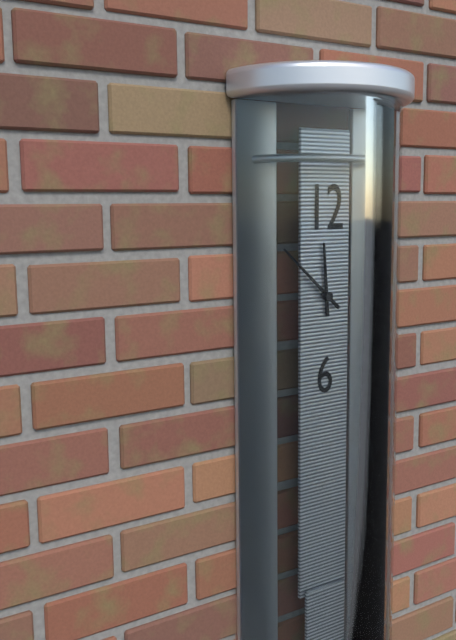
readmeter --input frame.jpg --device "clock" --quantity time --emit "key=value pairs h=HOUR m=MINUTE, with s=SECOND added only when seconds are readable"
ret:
h=11 m=52
